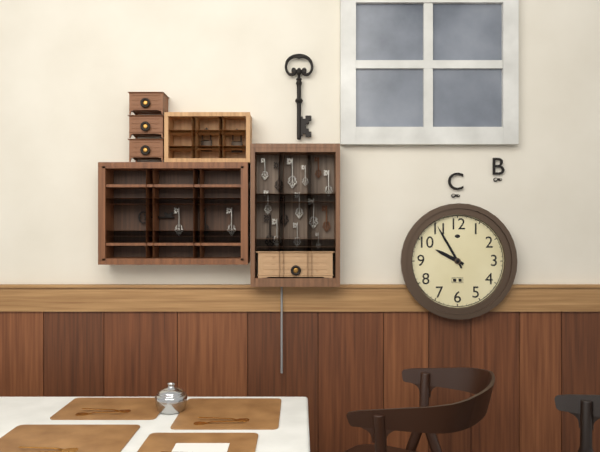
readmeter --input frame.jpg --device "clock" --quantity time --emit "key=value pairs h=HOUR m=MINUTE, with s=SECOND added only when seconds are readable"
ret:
h=9 m=55
